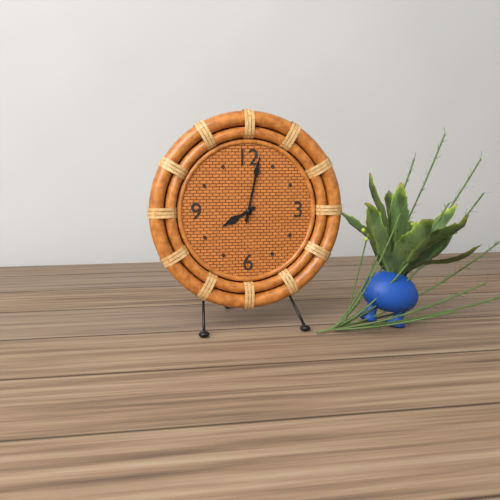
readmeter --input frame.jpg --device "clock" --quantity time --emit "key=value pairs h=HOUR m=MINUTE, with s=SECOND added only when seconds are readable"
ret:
h=8 m=2
